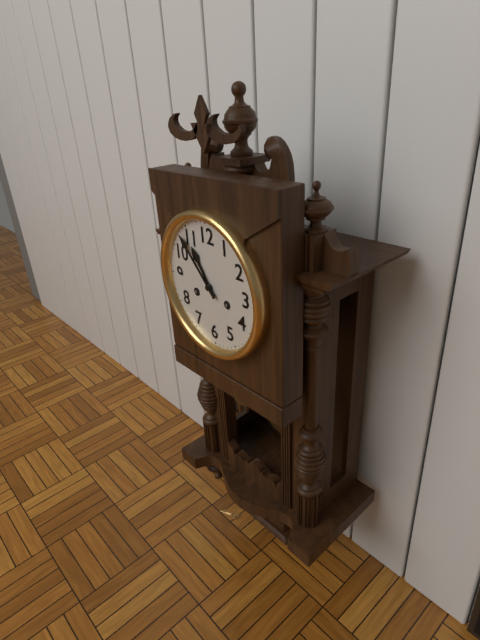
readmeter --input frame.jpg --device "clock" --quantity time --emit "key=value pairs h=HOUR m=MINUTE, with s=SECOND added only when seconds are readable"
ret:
h=10 m=53
